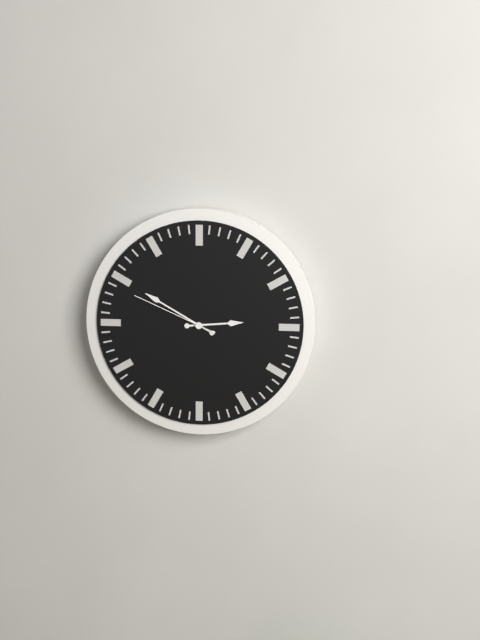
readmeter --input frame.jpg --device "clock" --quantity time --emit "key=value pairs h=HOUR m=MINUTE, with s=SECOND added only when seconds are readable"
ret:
h=2 m=50 s=49
